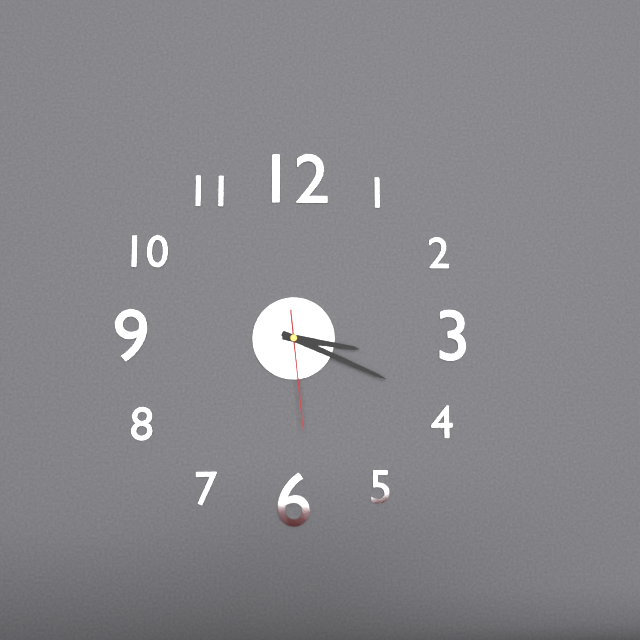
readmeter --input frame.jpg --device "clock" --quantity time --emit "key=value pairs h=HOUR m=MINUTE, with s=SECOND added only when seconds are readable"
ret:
h=3 m=19 s=29
